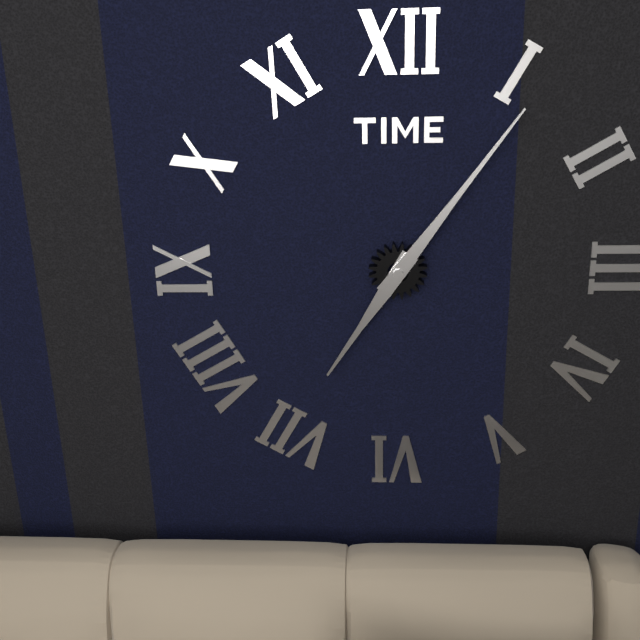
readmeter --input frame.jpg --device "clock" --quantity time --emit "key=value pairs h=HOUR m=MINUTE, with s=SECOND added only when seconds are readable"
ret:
h=7 m=6
